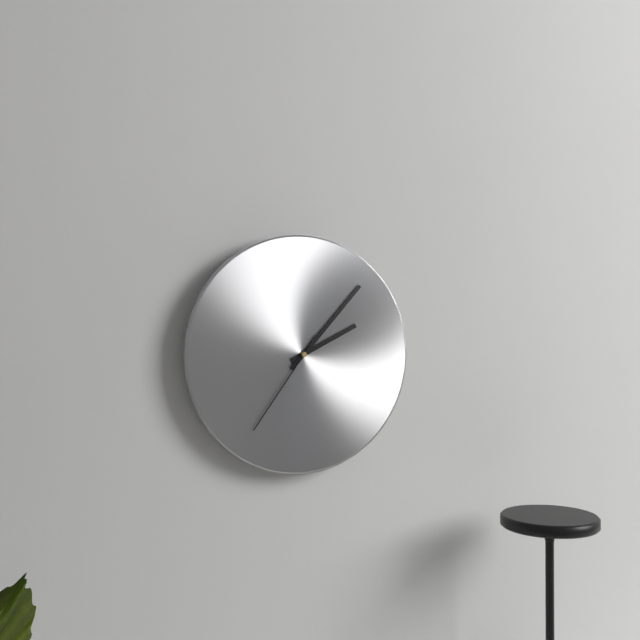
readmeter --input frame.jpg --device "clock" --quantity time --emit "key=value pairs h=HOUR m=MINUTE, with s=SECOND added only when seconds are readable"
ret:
h=2 m=7 s=36
